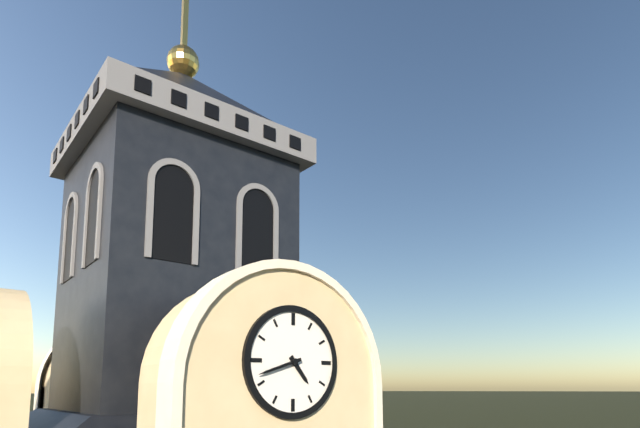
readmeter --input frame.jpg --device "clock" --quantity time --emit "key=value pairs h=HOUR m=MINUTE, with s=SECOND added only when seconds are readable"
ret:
h=4 m=42
